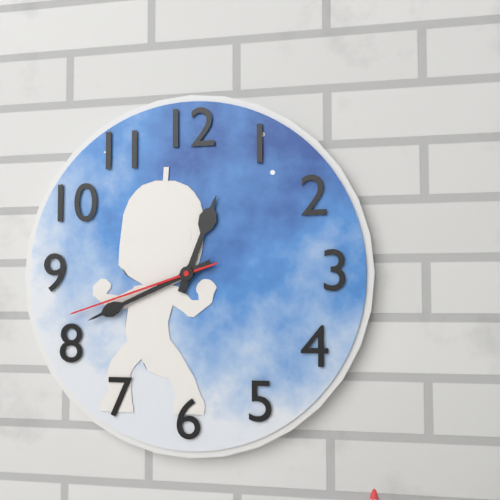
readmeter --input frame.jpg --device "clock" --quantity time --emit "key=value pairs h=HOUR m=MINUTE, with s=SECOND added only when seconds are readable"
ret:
h=12 m=41 s=42
